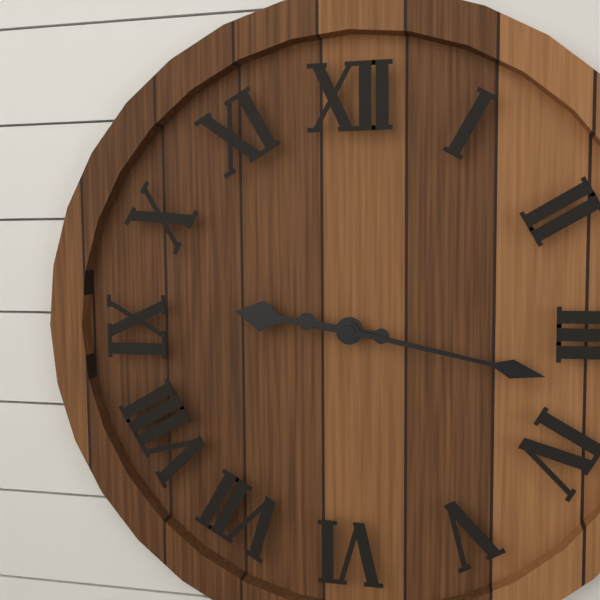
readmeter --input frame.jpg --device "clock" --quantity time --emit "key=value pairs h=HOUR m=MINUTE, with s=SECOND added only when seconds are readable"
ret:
h=9 m=17
